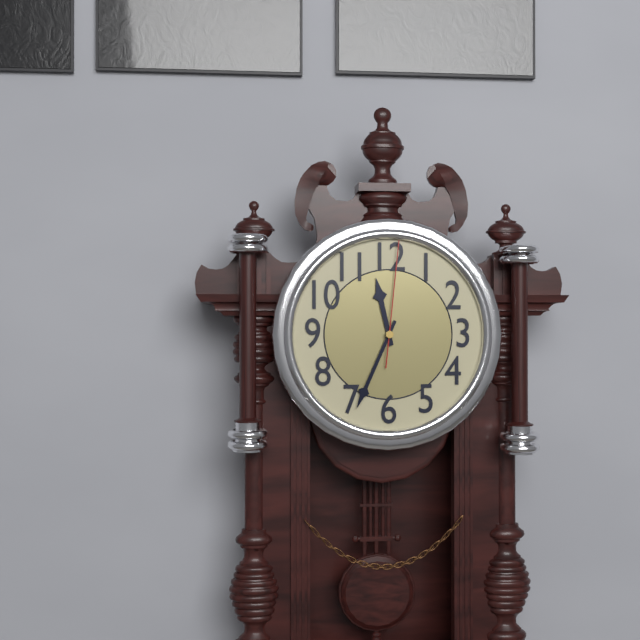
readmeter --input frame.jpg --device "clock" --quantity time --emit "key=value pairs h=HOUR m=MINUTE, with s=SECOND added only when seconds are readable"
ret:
h=11 m=34 s=1
